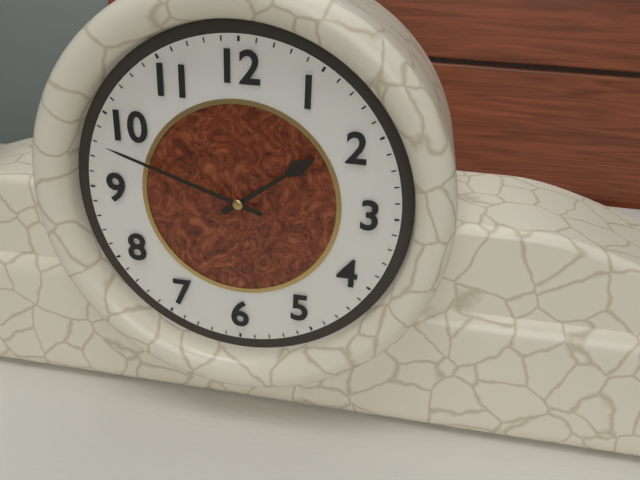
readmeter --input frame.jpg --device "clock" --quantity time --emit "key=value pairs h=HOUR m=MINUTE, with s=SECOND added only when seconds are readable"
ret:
h=1 m=48
